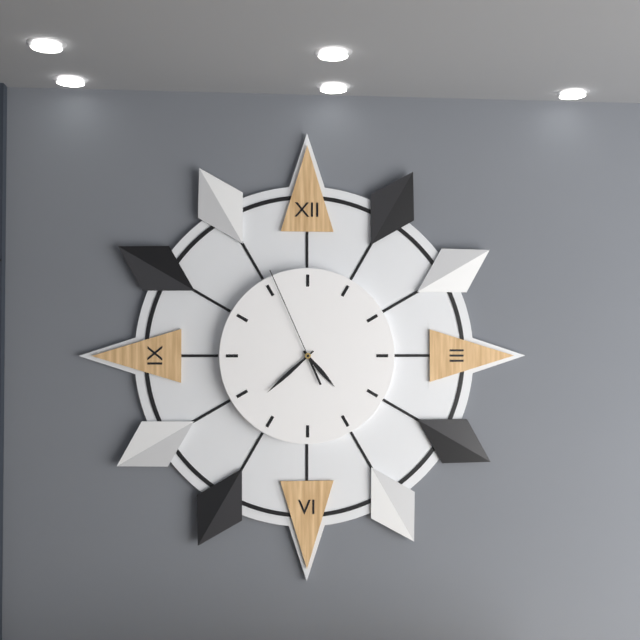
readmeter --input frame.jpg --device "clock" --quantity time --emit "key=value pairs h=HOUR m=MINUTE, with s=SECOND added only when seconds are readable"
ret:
h=4 m=38 s=56
